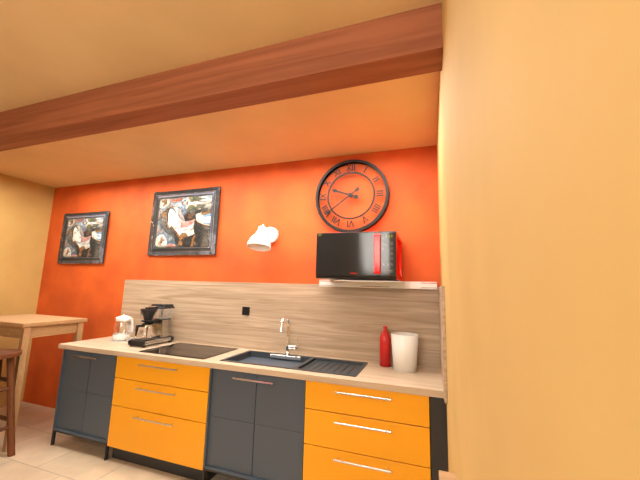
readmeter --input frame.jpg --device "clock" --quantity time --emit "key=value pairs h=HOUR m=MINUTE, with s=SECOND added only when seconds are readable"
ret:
h=9 m=39
